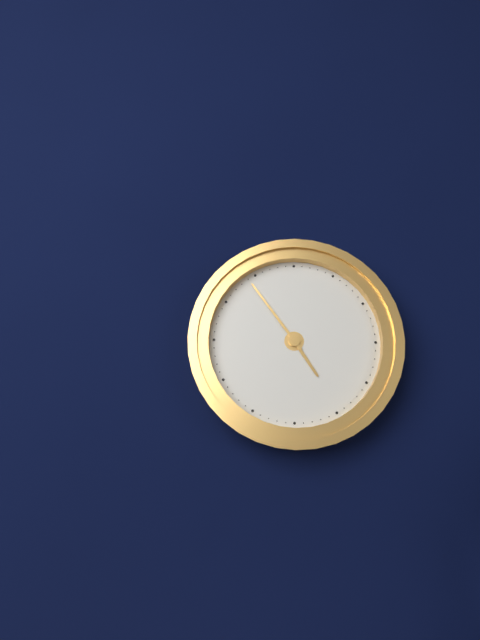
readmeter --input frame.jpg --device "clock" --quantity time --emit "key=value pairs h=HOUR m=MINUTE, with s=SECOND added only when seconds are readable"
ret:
h=4 m=54
